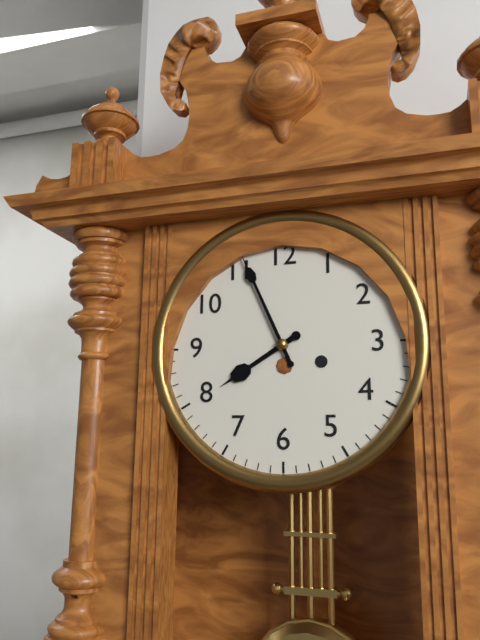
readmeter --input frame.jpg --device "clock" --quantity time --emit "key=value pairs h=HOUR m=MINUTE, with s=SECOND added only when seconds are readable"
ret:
h=7 m=56
